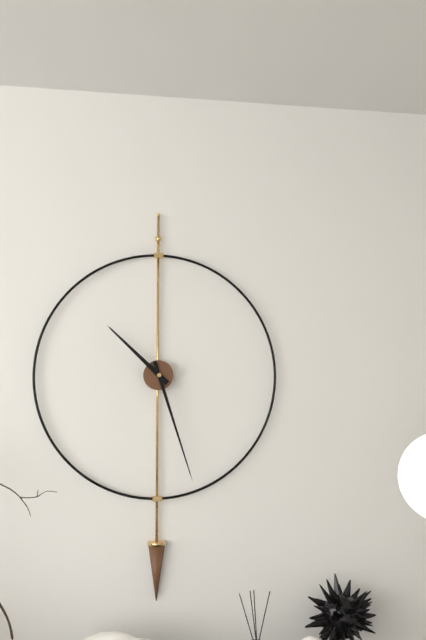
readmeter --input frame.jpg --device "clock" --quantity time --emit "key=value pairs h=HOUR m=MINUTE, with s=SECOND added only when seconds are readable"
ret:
h=10 m=27
